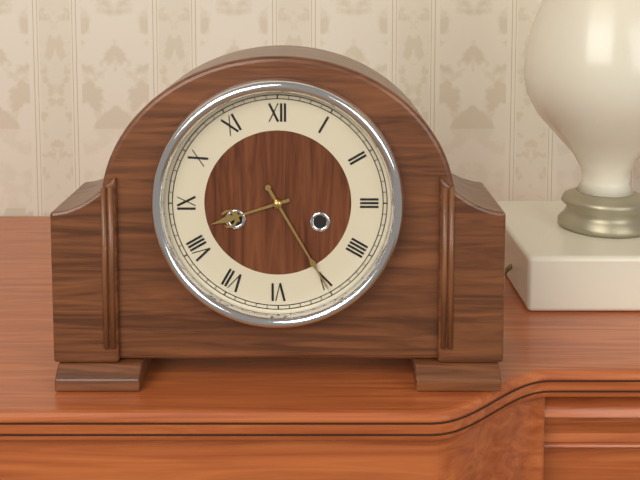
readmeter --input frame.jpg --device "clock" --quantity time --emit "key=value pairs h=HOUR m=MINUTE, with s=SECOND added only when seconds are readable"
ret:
h=8 m=25
